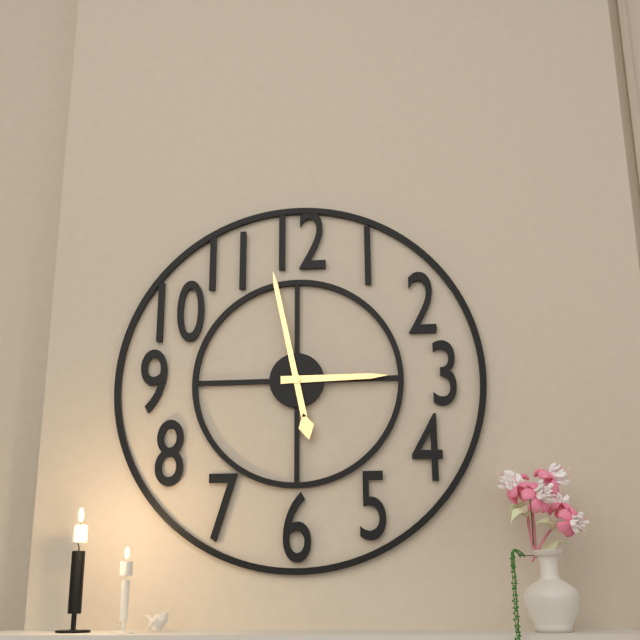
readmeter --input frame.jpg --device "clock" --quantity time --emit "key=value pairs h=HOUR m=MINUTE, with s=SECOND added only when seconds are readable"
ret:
h=2 m=58
